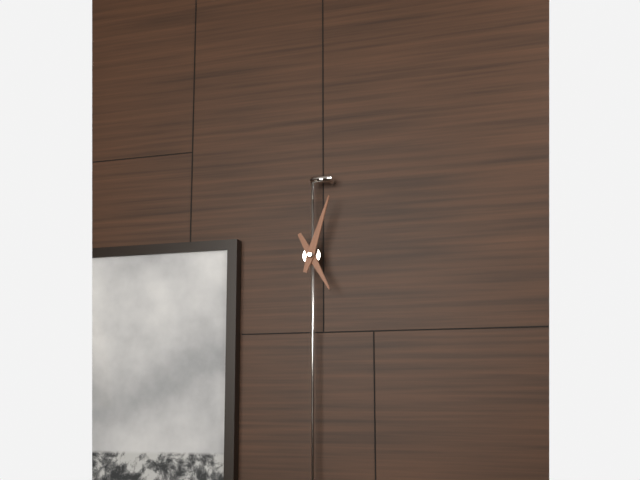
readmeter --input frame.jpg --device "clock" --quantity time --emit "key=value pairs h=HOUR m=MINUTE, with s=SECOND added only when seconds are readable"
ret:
h=5 m=3
